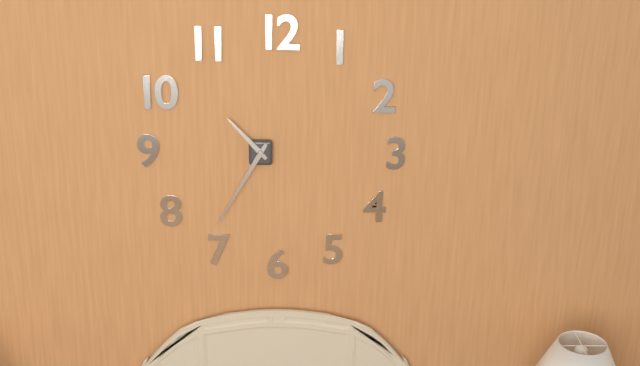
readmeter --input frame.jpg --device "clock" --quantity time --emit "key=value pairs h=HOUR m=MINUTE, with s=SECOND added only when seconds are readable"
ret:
h=10 m=35
